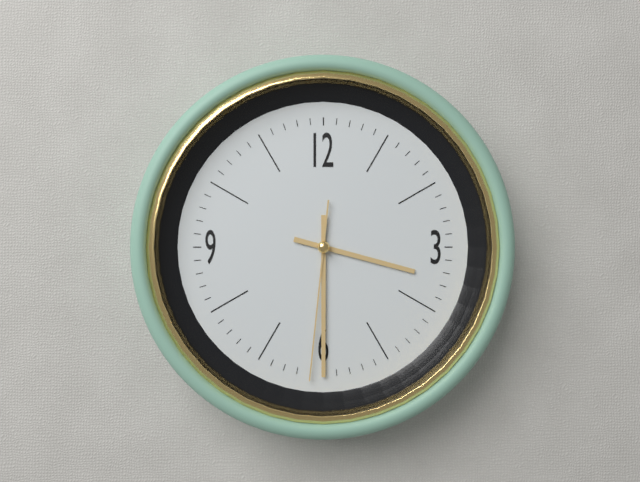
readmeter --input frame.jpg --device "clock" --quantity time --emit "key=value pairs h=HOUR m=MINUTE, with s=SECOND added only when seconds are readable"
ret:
h=3 m=30 s=31
